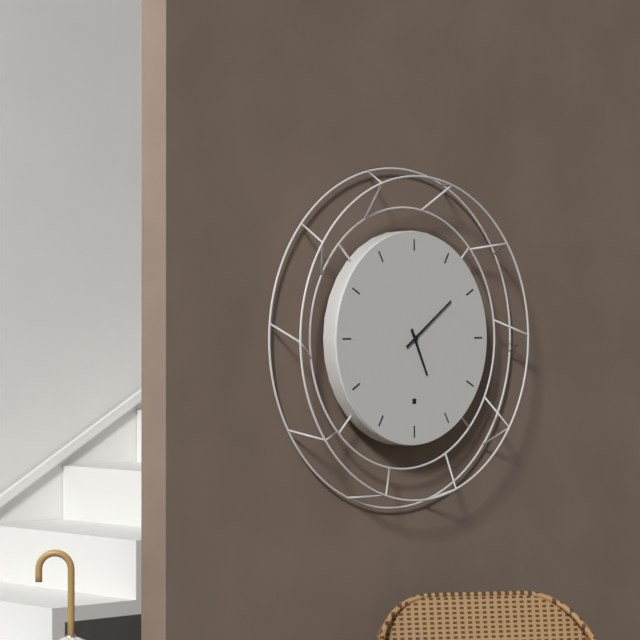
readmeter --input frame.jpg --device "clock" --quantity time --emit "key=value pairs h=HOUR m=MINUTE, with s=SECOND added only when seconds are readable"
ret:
h=5 m=9
